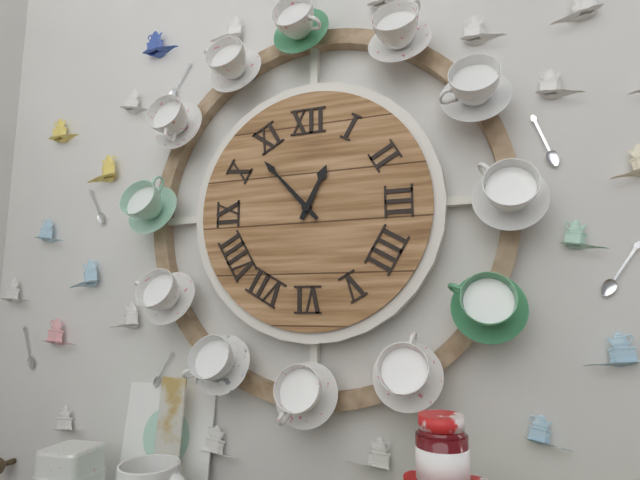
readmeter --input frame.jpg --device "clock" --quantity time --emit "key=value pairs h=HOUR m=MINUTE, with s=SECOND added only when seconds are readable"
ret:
h=12 m=53
